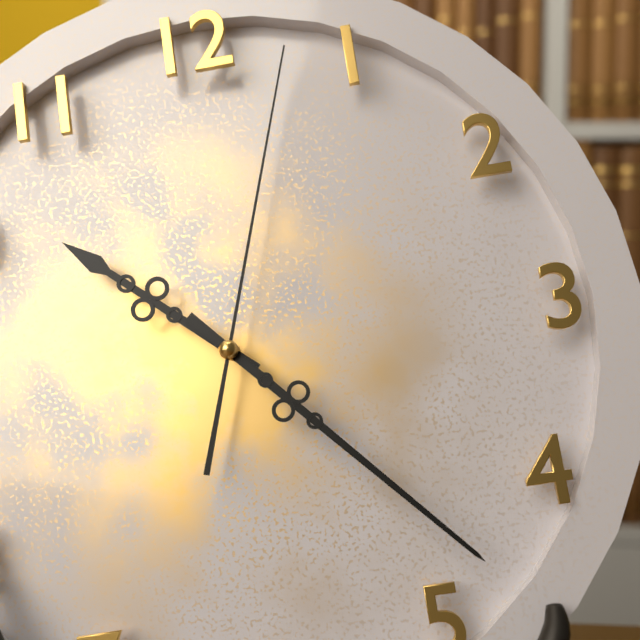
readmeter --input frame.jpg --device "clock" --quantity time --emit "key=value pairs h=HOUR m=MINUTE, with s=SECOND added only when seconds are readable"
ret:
h=10 m=23 s=3
